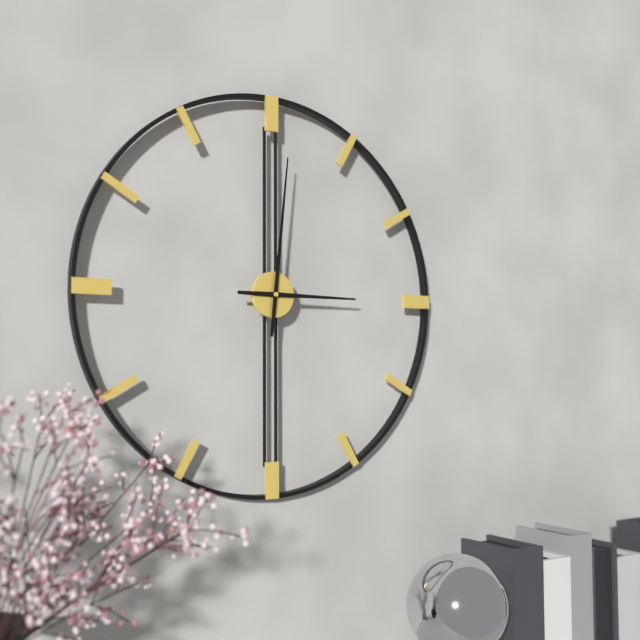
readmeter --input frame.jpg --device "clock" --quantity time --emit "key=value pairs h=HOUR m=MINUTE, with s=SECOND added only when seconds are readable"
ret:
h=3 m=1
